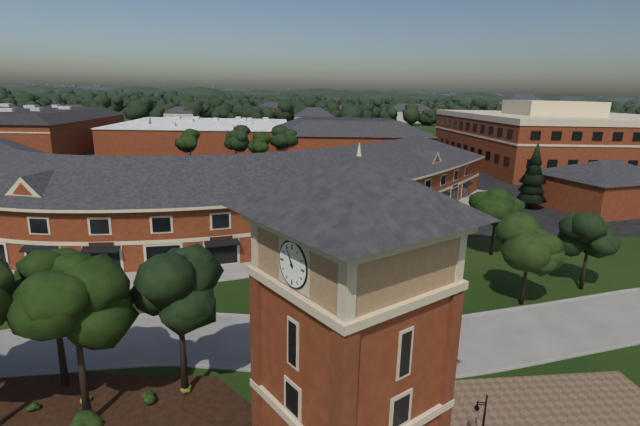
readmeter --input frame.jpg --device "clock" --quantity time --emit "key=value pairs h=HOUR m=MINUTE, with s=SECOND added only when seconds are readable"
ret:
h=10 m=55
